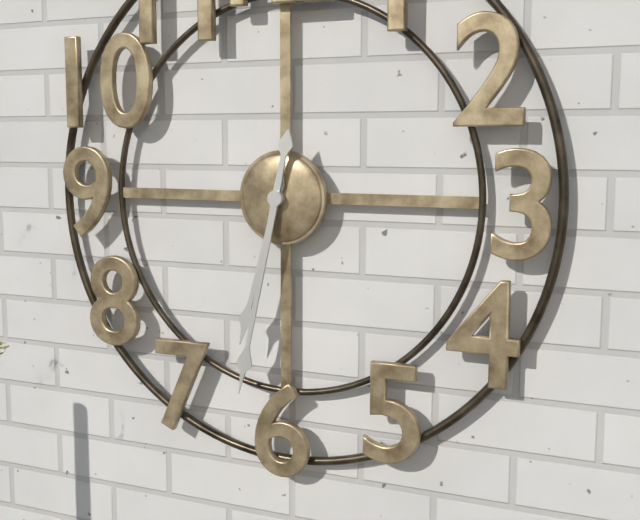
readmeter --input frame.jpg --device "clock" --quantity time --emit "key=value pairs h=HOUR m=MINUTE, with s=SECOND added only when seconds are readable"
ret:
h=6 m=32
